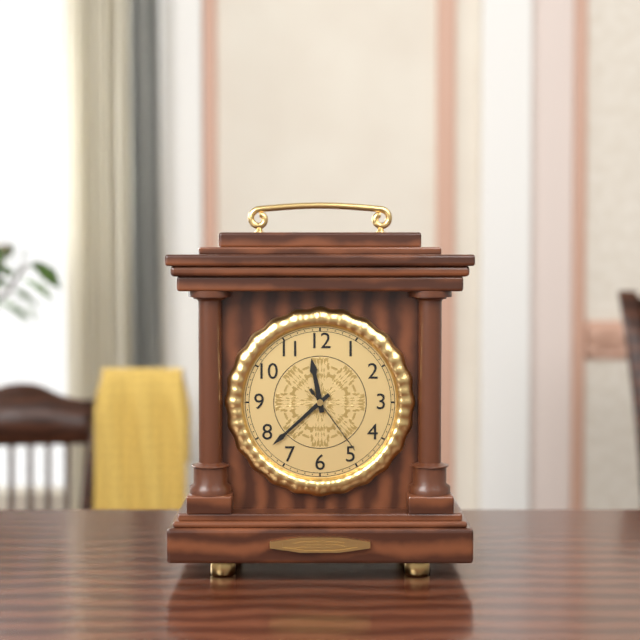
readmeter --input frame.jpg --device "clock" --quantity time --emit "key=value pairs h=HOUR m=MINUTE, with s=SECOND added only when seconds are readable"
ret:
h=11 m=38 s=24
